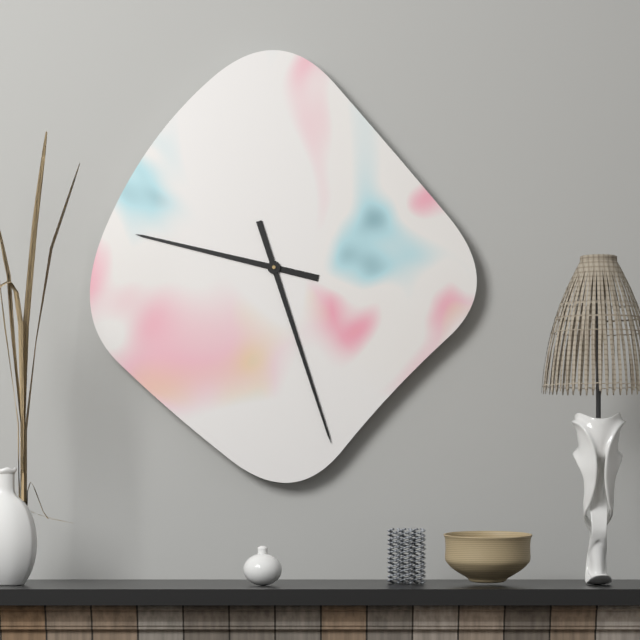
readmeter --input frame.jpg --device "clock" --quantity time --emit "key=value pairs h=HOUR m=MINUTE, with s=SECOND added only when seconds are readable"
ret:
h=9 m=27
